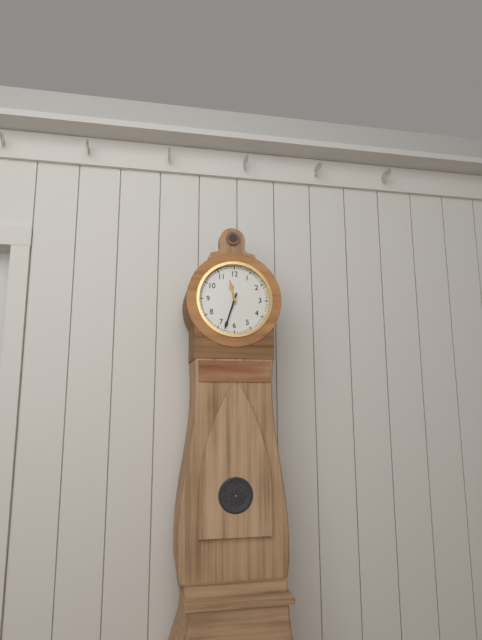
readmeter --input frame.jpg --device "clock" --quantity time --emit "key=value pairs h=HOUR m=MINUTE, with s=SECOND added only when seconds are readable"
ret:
h=11 m=33
